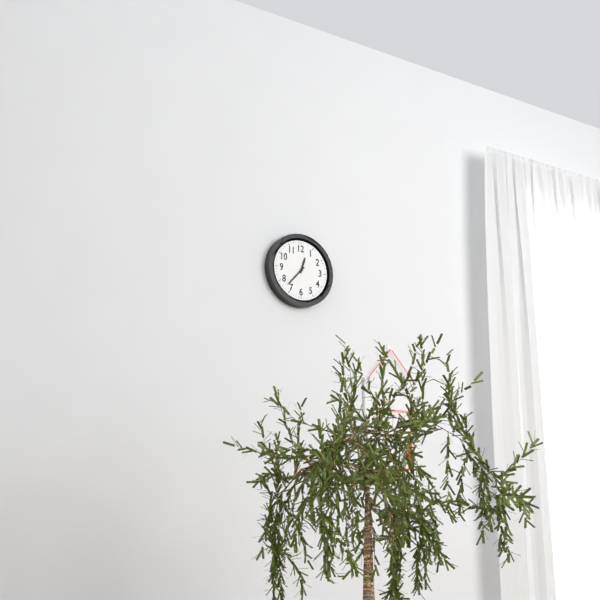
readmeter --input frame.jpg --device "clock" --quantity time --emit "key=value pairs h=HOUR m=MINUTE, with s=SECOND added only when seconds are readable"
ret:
h=12 m=37
